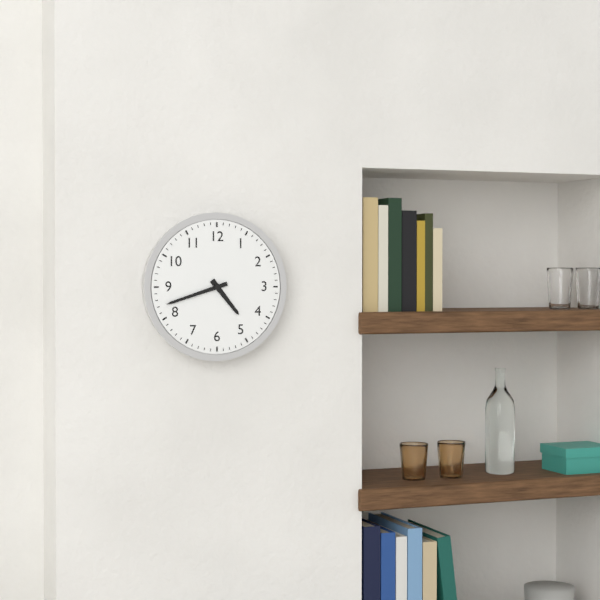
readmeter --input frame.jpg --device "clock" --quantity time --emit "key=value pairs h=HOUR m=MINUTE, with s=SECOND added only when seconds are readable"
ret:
h=4 m=42
